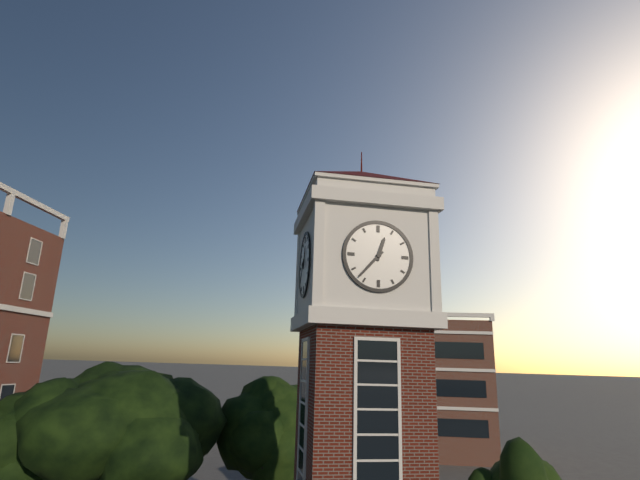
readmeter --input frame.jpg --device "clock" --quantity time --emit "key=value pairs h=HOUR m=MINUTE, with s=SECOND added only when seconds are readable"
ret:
h=12 m=37
